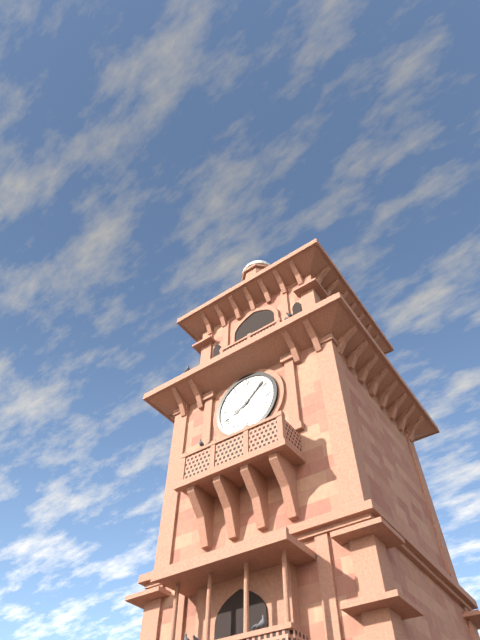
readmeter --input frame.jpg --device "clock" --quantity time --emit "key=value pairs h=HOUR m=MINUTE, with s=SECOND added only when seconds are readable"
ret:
h=8 m=8
